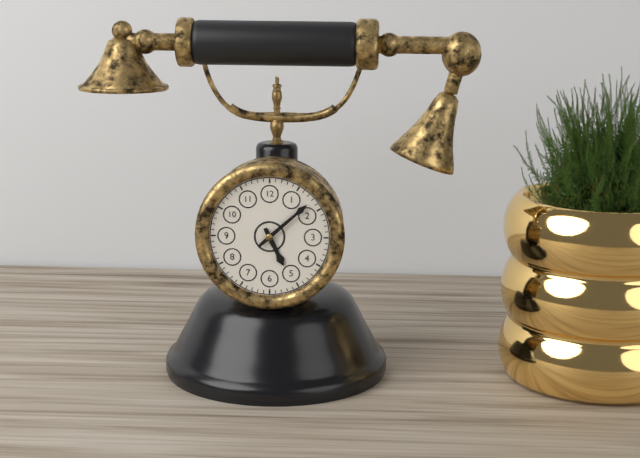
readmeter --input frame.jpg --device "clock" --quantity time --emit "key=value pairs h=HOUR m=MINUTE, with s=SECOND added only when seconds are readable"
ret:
h=5 m=8
